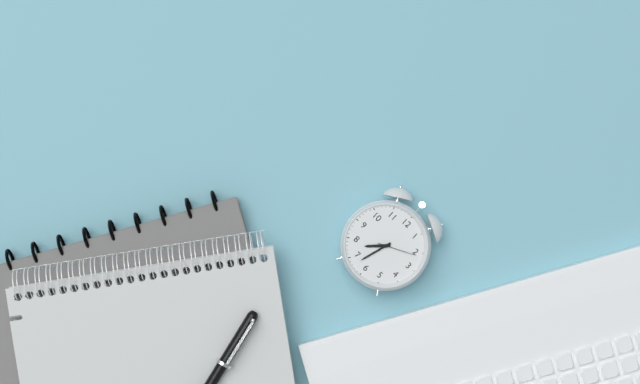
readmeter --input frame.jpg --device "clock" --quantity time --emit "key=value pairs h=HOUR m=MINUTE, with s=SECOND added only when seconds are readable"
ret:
h=7 m=33
